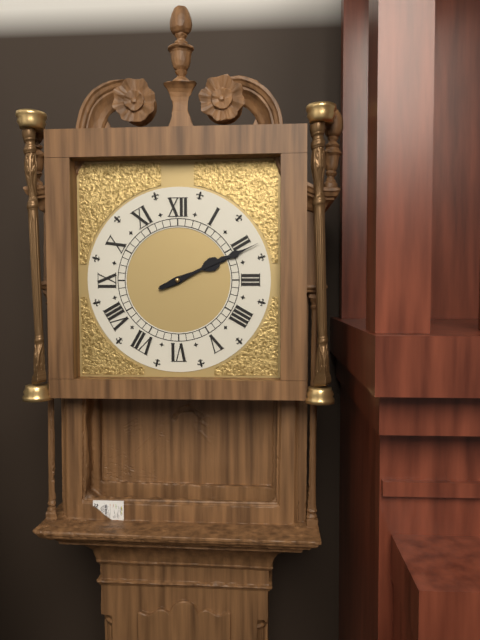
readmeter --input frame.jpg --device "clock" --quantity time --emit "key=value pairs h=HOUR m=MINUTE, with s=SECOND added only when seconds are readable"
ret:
h=2 m=11
